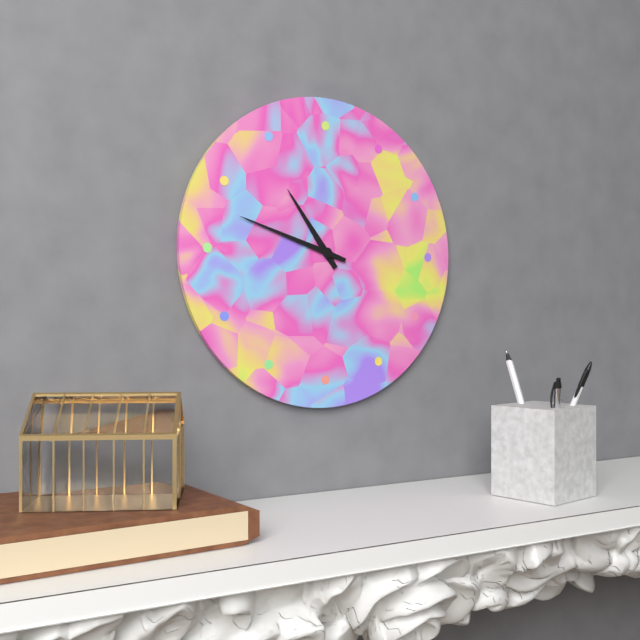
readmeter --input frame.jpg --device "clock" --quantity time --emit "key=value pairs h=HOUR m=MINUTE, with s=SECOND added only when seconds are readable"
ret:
h=10 m=48
